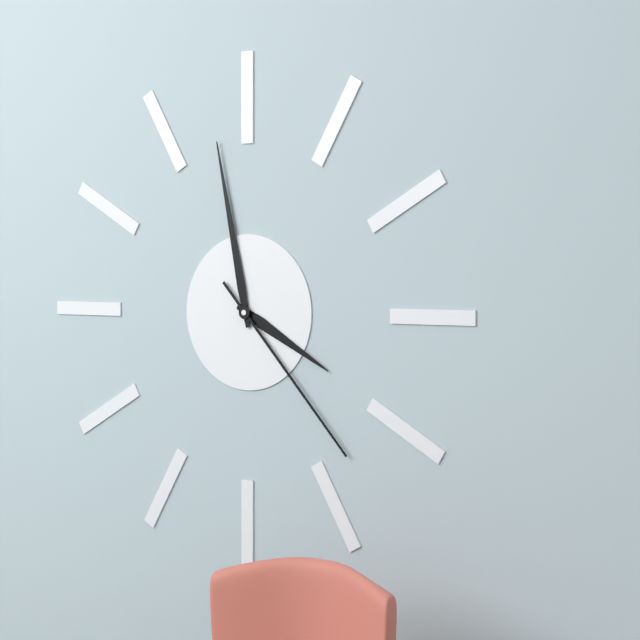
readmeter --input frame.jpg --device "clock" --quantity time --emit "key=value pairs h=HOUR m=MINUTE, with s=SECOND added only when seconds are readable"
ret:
h=3 m=58 s=23
